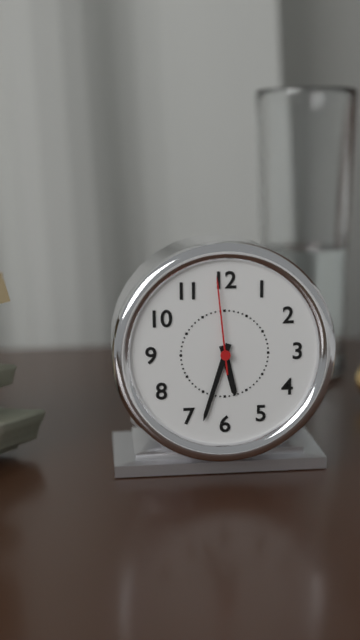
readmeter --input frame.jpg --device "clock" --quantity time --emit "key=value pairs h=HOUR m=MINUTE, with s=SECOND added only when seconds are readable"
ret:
h=5 m=33 s=59
